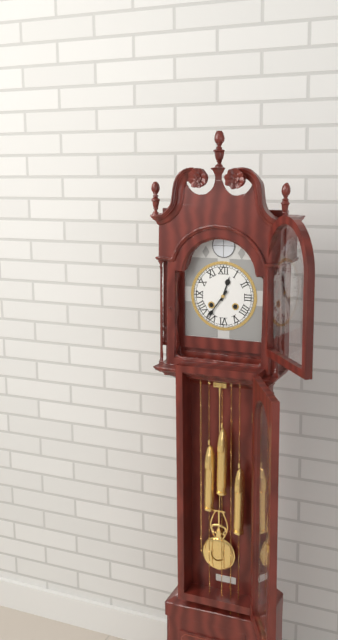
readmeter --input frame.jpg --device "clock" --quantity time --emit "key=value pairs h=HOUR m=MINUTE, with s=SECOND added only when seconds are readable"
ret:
h=12 m=36
